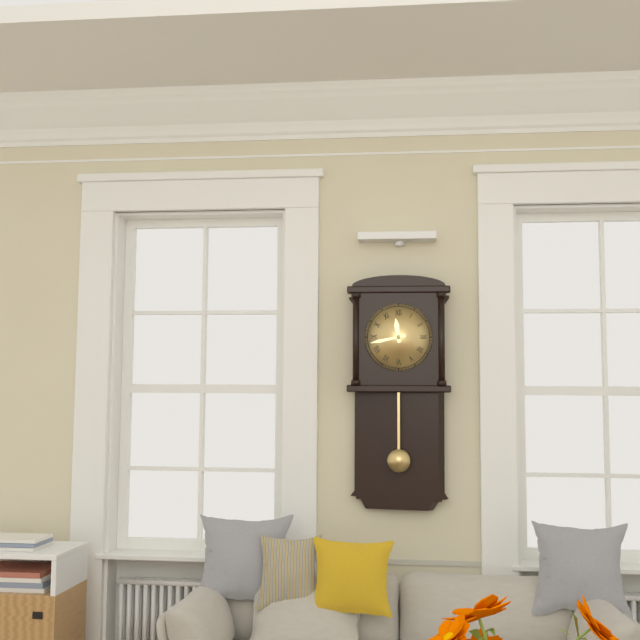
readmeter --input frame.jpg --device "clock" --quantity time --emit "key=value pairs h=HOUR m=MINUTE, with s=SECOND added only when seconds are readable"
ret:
h=11 m=43
